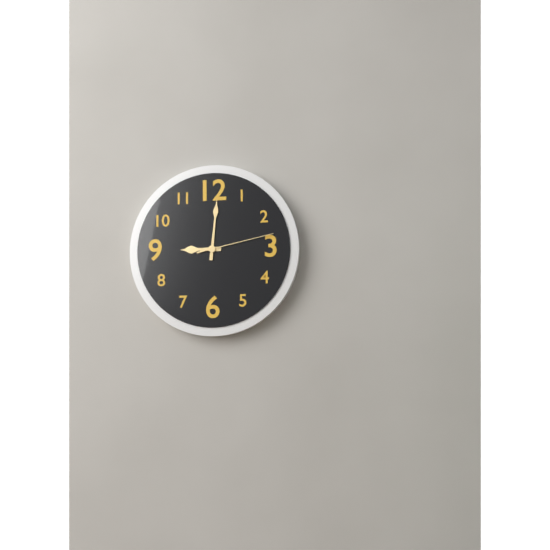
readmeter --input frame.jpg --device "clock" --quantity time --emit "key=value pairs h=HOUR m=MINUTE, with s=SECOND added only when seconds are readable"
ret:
h=9 m=1 s=13
